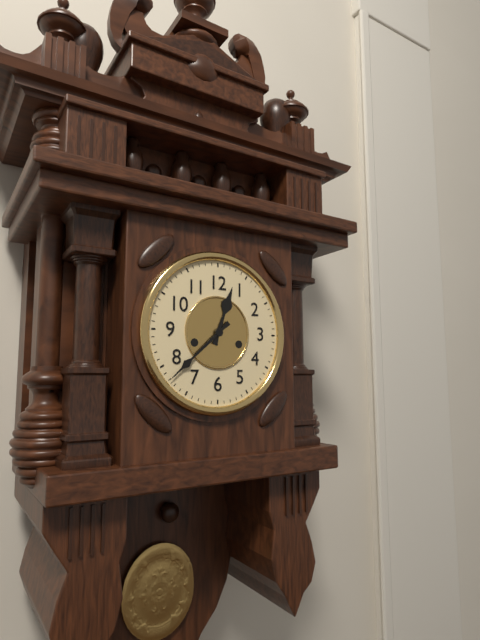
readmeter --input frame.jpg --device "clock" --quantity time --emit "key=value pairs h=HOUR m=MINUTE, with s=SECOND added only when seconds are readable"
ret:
h=12 m=38
